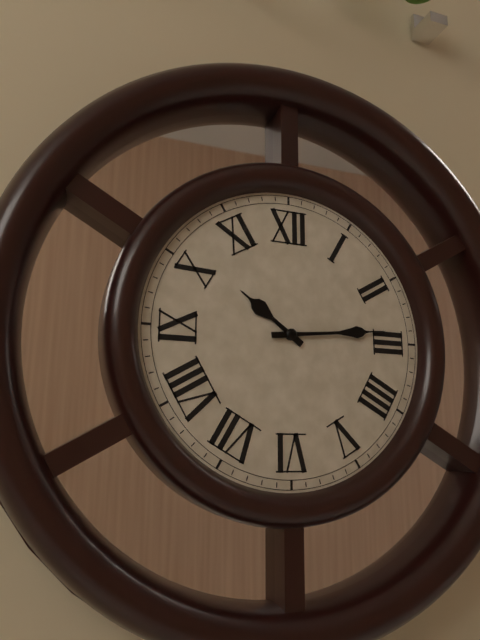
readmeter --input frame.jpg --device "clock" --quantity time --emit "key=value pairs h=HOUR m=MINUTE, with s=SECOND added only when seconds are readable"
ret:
h=10 m=14
